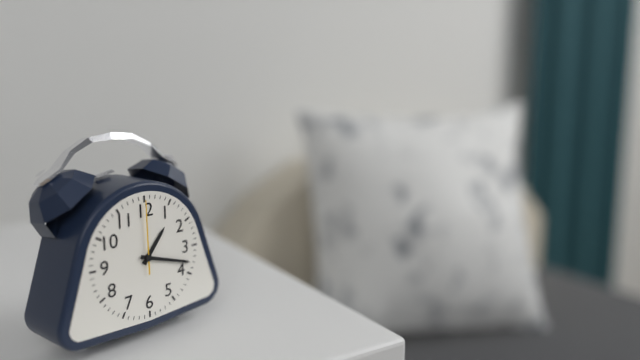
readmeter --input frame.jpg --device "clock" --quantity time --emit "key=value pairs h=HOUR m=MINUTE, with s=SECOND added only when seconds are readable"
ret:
h=1 m=18 s=0
